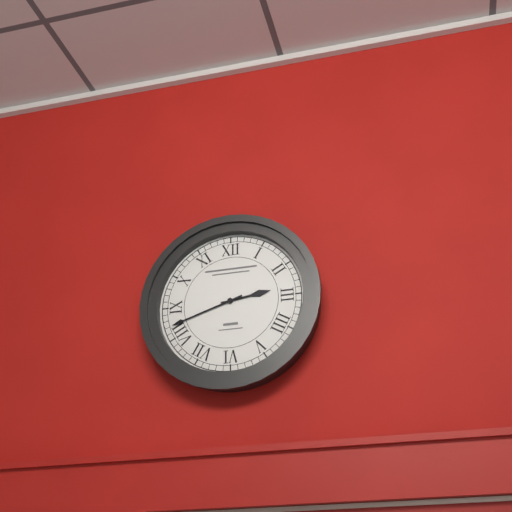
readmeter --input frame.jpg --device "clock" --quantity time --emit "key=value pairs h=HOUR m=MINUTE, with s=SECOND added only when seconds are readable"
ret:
h=2 m=42
